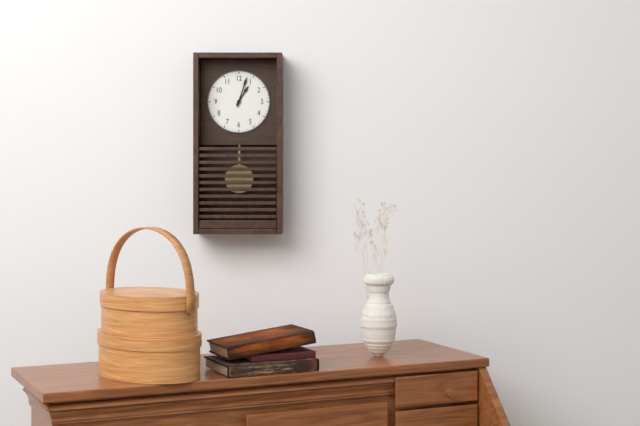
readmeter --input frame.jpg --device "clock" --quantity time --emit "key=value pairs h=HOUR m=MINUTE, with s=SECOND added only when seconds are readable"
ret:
h=1 m=3
